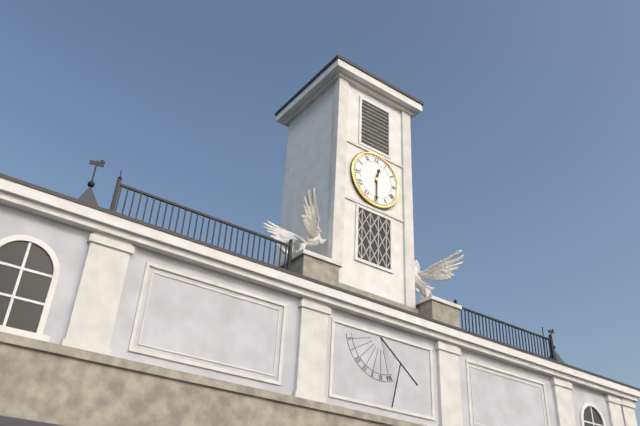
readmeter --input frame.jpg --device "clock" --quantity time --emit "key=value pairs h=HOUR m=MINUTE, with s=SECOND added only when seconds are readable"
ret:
h=12 m=30
